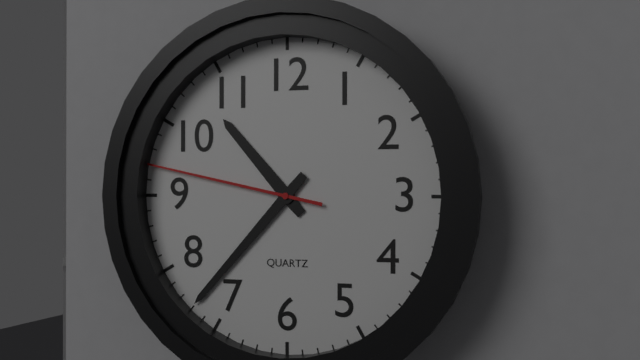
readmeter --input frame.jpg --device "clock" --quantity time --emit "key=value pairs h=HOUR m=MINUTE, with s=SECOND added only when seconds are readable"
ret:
h=10 m=37 s=47
